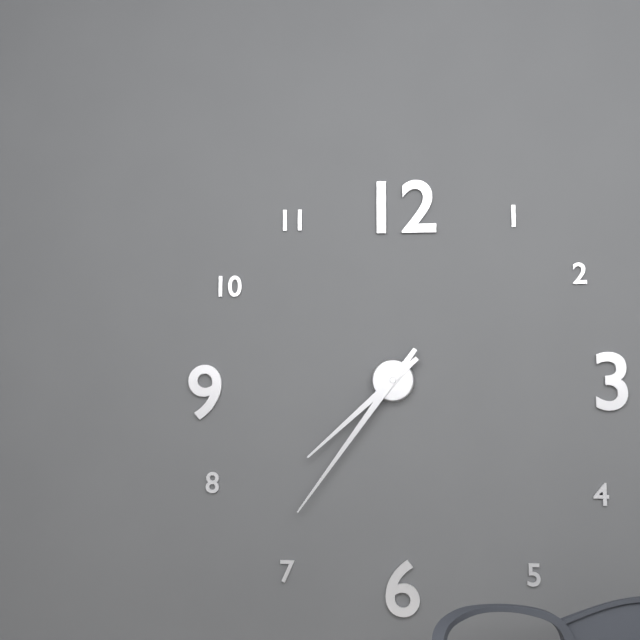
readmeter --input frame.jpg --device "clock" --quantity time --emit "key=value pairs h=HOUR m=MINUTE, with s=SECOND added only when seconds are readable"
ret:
h=7 m=36
